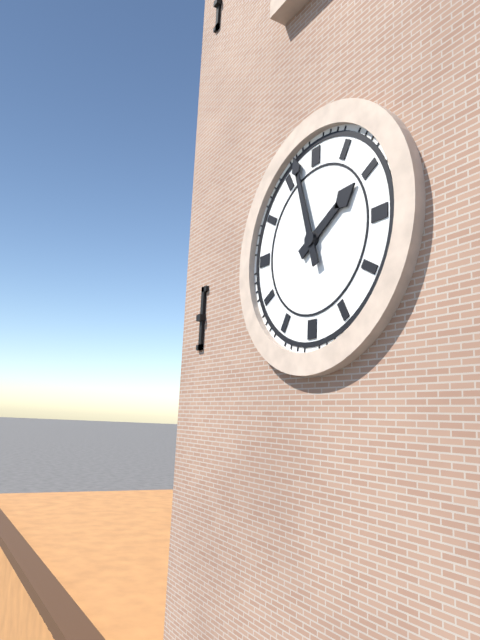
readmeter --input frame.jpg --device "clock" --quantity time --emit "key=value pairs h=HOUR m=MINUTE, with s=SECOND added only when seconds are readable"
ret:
h=1 m=57
